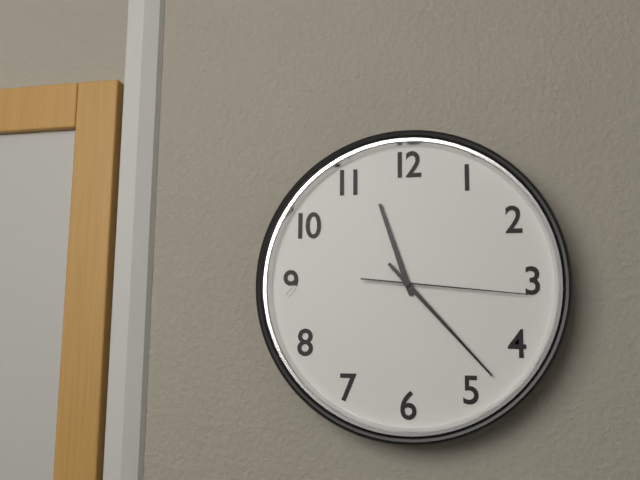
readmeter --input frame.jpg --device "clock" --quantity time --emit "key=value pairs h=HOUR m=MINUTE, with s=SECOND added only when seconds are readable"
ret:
h=11 m=23 s=16
